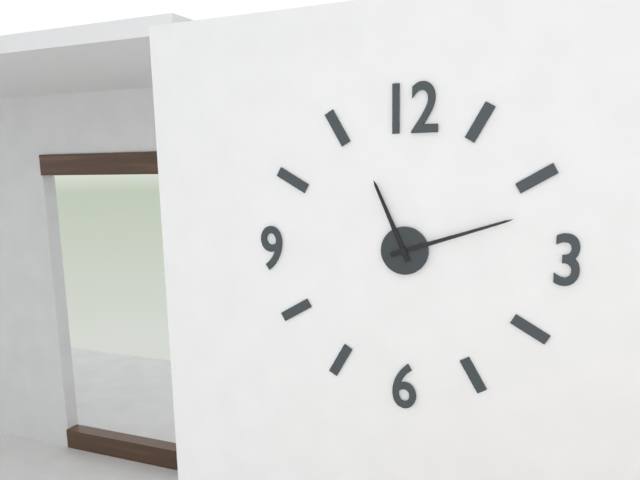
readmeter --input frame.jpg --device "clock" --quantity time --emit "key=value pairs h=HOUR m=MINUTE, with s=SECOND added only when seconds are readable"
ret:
h=11 m=12
